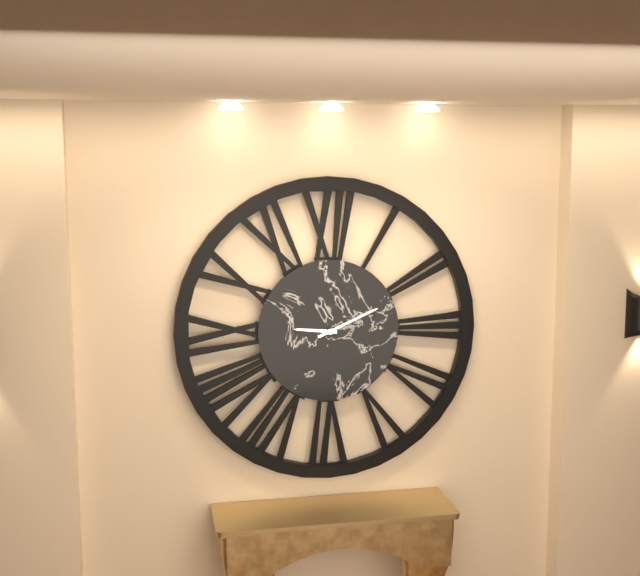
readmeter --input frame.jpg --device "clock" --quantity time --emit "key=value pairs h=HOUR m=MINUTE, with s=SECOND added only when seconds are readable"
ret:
h=9 m=11
